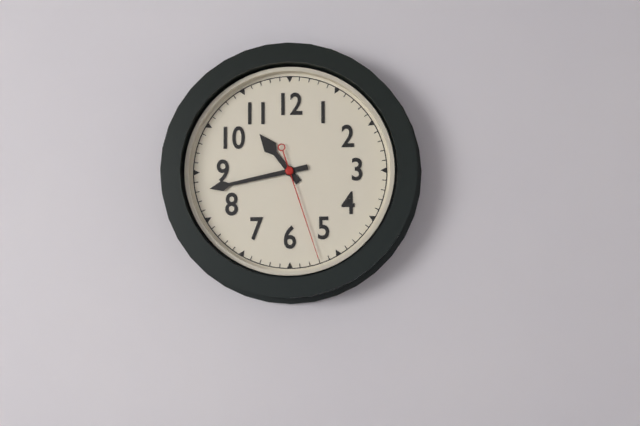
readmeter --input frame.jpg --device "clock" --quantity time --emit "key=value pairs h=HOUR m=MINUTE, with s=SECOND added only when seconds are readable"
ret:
h=10 m=43 s=27
